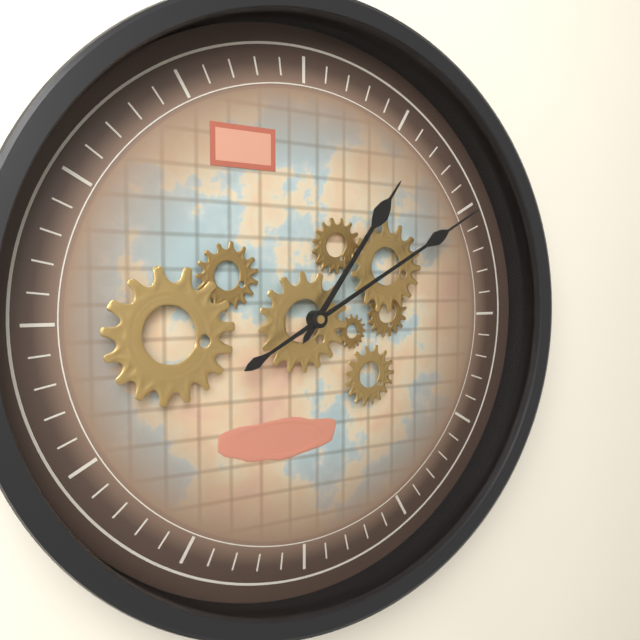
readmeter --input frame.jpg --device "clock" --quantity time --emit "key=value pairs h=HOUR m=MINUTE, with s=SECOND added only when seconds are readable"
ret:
h=1 m=10
